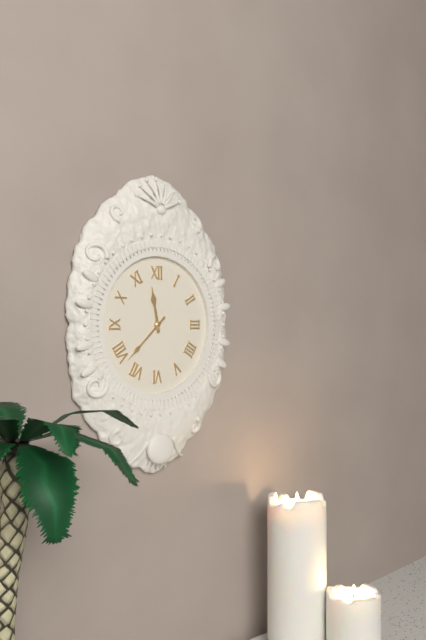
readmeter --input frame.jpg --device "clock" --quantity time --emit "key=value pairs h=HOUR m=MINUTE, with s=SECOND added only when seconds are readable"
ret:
h=11 m=38
